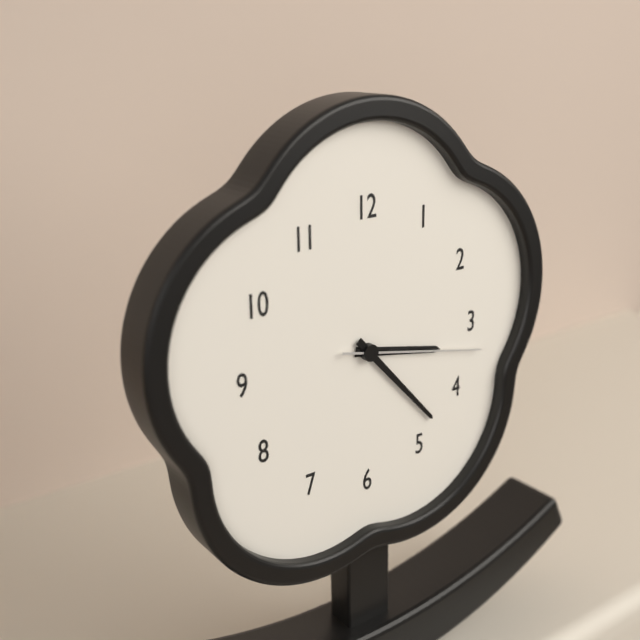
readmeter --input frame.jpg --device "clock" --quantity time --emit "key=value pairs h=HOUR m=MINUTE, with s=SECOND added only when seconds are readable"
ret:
h=3 m=23 s=17
